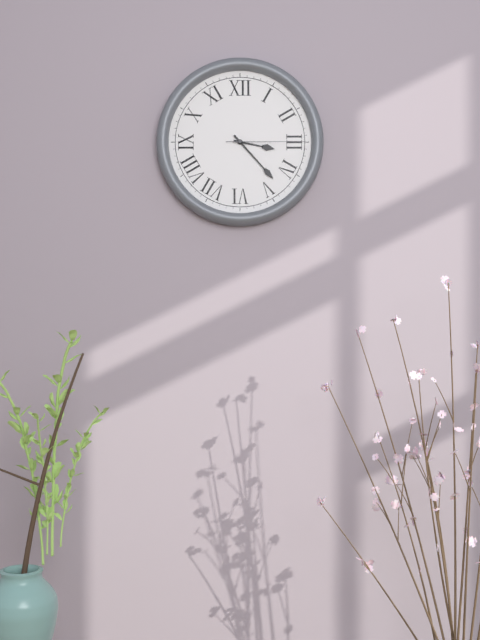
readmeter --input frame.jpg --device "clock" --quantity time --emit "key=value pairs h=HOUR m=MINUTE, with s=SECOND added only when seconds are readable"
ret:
h=3 m=23 s=15
